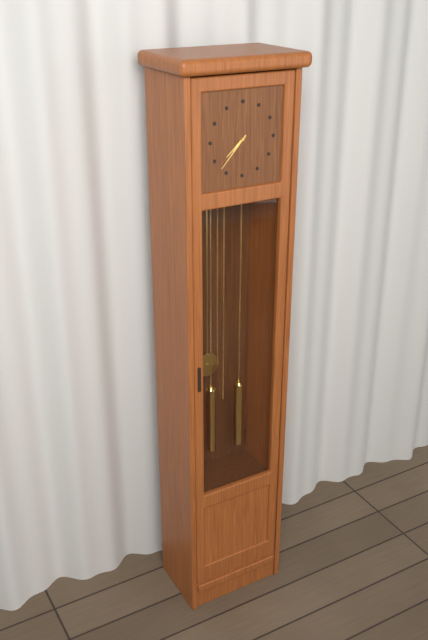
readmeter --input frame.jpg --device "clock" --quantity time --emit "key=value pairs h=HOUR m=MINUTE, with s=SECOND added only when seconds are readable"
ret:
h=7 m=37
